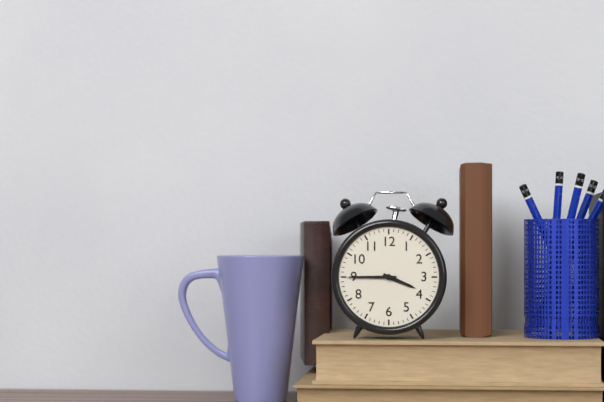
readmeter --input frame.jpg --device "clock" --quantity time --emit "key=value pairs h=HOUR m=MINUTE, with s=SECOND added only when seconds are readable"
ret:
h=3 m=45
